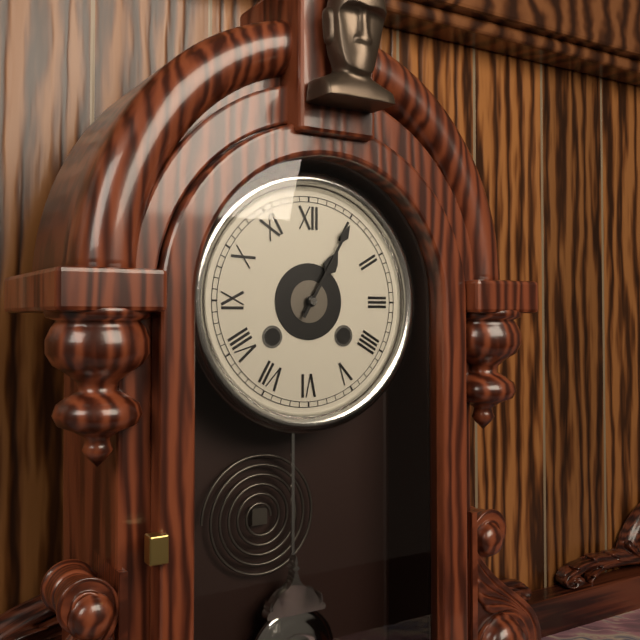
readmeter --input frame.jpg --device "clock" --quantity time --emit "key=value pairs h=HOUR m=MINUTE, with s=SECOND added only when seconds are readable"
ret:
h=1 m=5
